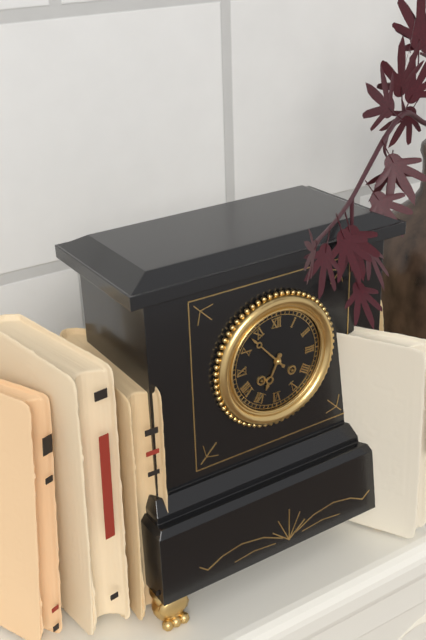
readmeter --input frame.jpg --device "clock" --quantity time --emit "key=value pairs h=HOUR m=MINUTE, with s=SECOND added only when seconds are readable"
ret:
h=6 m=53
